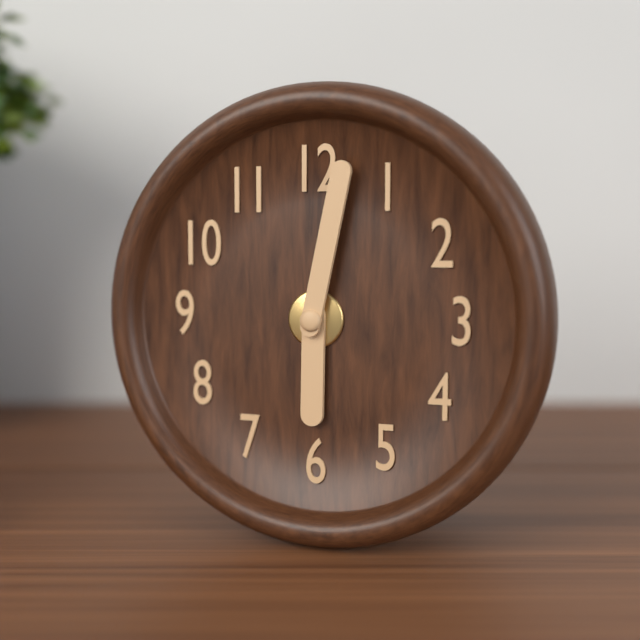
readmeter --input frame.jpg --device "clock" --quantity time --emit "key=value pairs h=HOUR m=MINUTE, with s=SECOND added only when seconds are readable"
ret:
h=6 m=2
